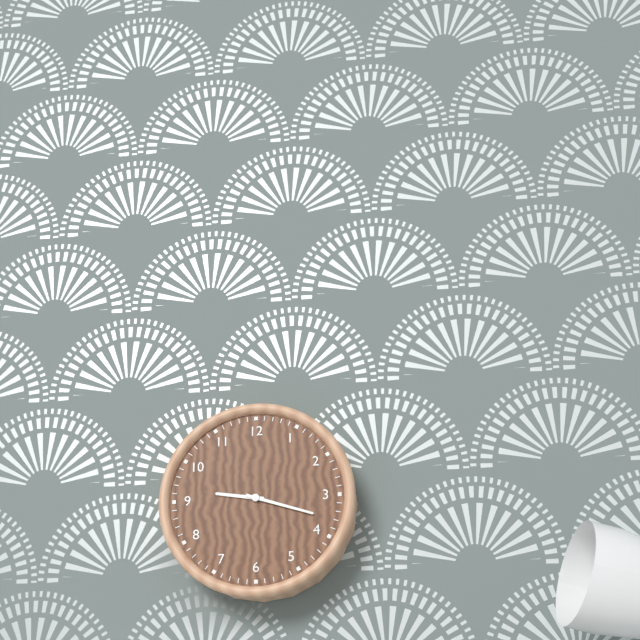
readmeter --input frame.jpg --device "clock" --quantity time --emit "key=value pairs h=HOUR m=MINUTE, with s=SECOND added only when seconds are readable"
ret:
h=9 m=18
